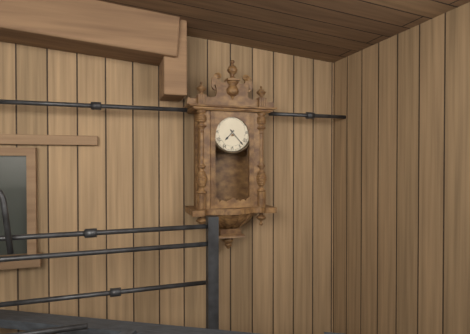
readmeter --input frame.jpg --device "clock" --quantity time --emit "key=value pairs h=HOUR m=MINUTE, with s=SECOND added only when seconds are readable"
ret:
h=7 m=23
